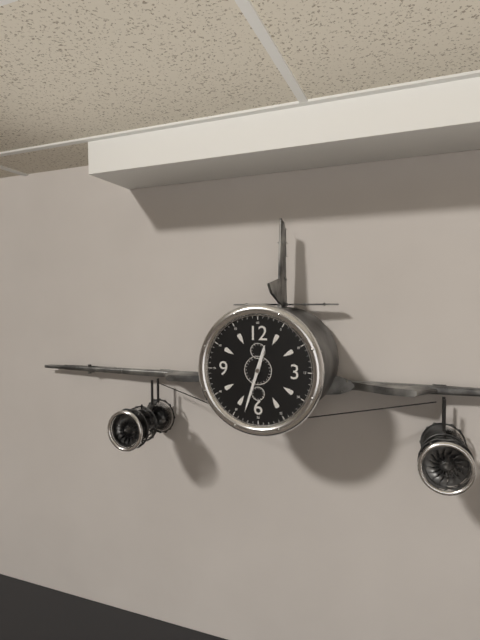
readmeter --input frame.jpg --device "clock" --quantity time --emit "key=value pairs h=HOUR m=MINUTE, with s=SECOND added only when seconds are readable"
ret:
h=12 m=33
